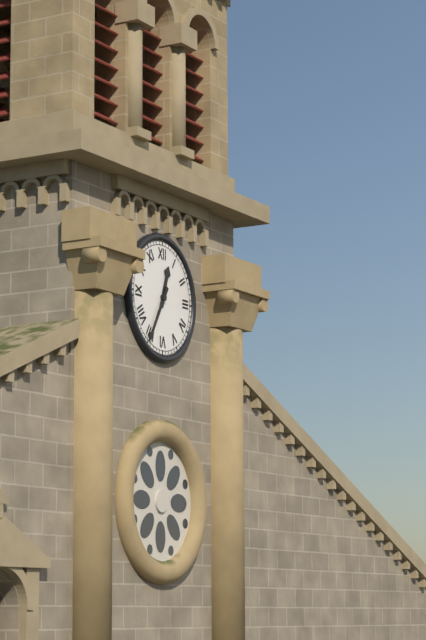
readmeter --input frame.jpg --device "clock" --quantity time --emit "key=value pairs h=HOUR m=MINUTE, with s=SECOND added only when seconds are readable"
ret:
h=12 m=35
